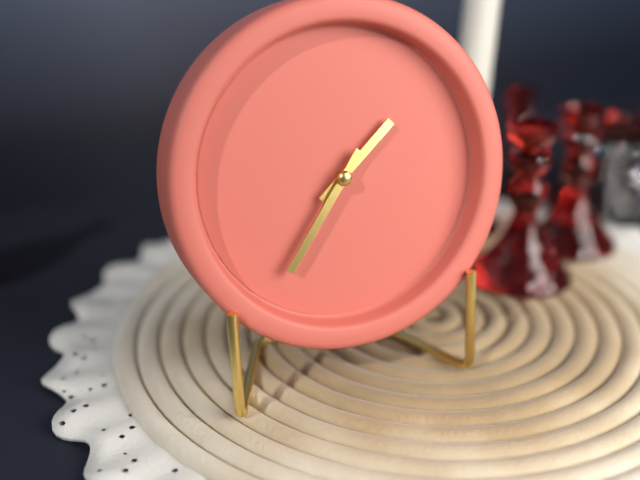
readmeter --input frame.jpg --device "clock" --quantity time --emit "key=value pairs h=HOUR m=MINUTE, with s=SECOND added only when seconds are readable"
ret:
h=1 m=36
